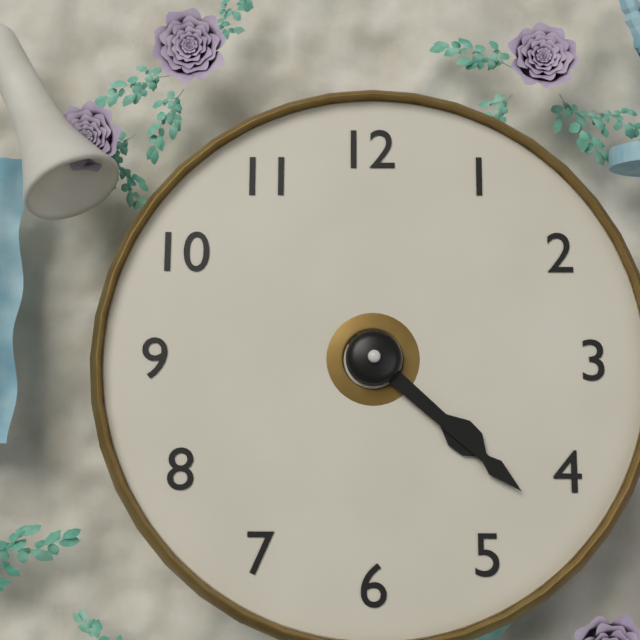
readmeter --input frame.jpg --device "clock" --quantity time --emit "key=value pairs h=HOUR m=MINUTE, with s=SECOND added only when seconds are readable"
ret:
h=4 m=22
